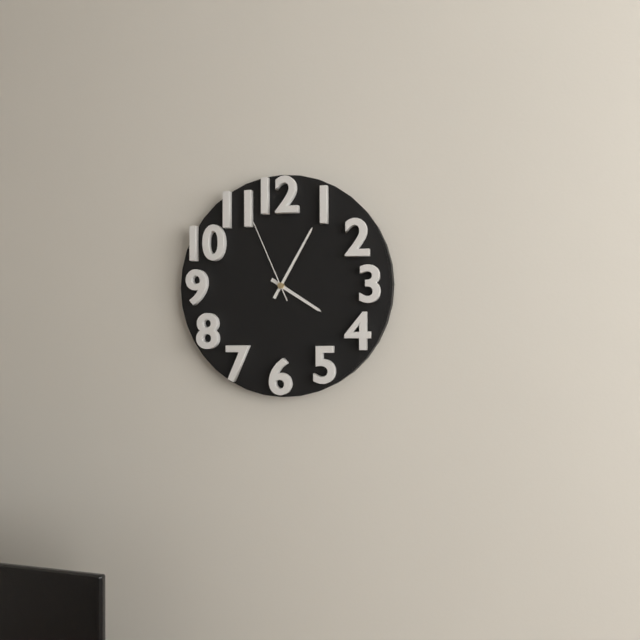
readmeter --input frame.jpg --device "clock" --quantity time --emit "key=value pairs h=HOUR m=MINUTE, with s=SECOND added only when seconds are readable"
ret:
h=4 m=5 s=56
